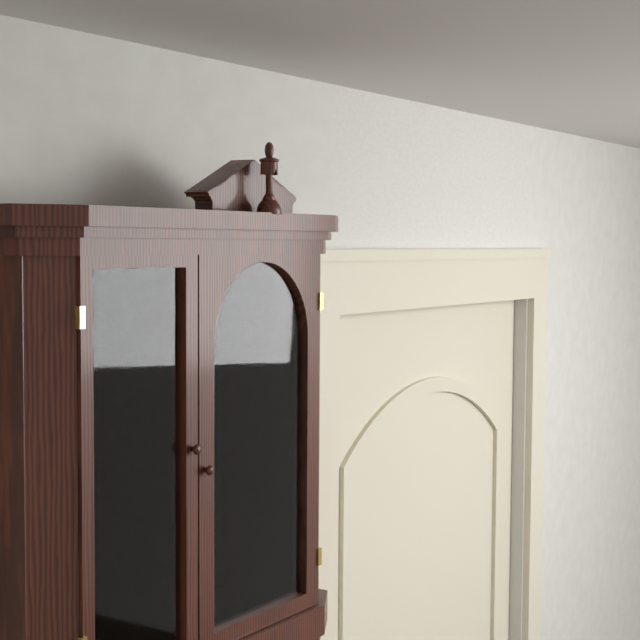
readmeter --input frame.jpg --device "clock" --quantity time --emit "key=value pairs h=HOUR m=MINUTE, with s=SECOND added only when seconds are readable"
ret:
h=11 m=56
